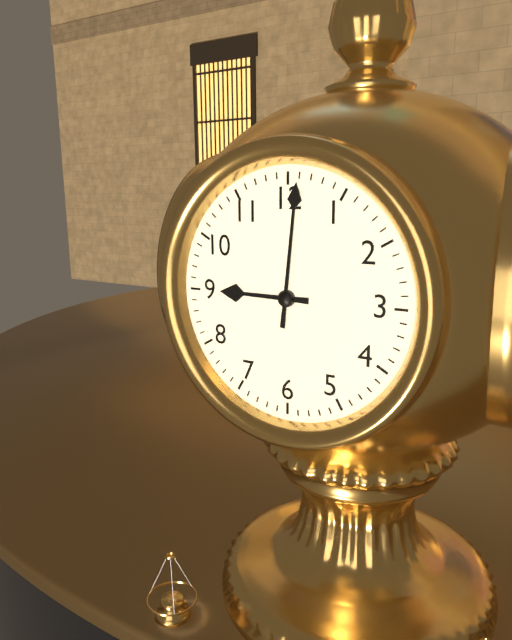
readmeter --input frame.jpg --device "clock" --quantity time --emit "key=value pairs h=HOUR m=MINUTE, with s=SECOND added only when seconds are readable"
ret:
h=9 m=1
